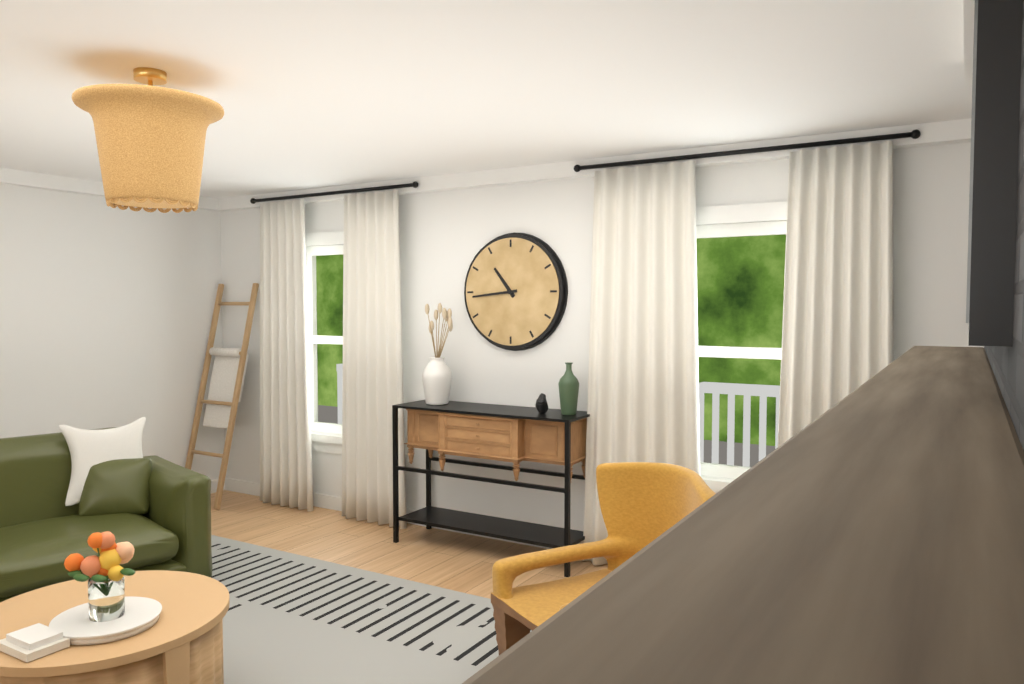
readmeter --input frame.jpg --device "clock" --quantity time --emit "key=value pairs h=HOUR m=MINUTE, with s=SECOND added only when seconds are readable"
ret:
h=10 m=44
